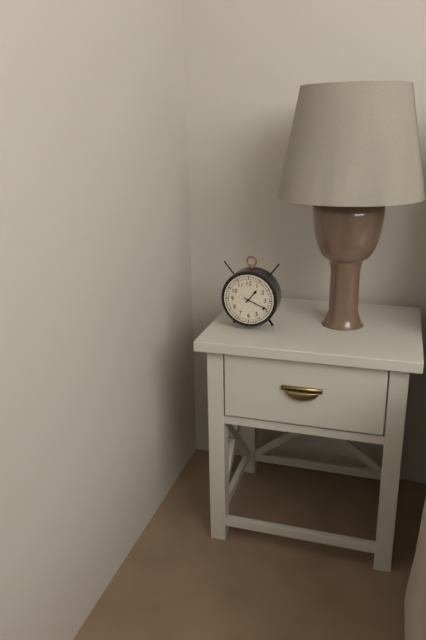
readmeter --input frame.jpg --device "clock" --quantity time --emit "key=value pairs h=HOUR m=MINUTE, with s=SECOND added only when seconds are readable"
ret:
h=1 m=19
